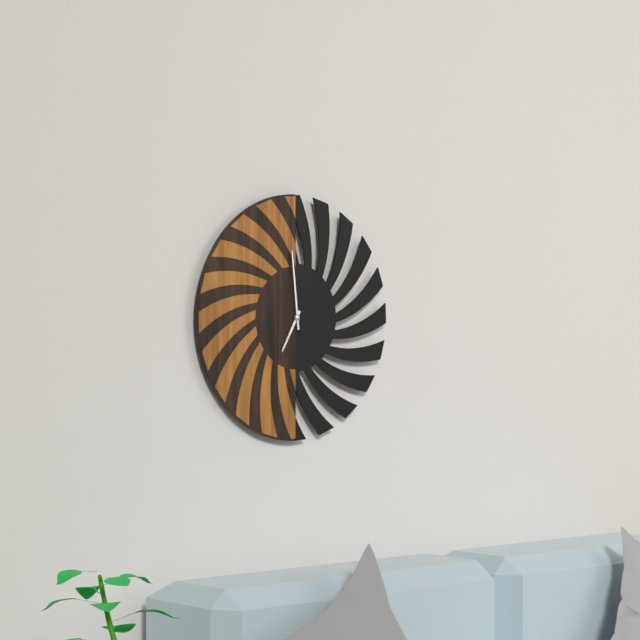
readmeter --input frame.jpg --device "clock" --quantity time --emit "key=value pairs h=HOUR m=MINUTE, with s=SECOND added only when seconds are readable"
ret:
h=6 m=59
